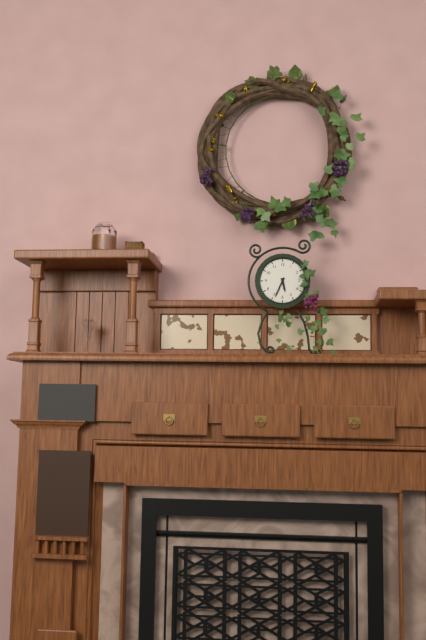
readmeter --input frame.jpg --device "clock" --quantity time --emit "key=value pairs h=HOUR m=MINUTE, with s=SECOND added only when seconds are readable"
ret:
h=5 m=34
